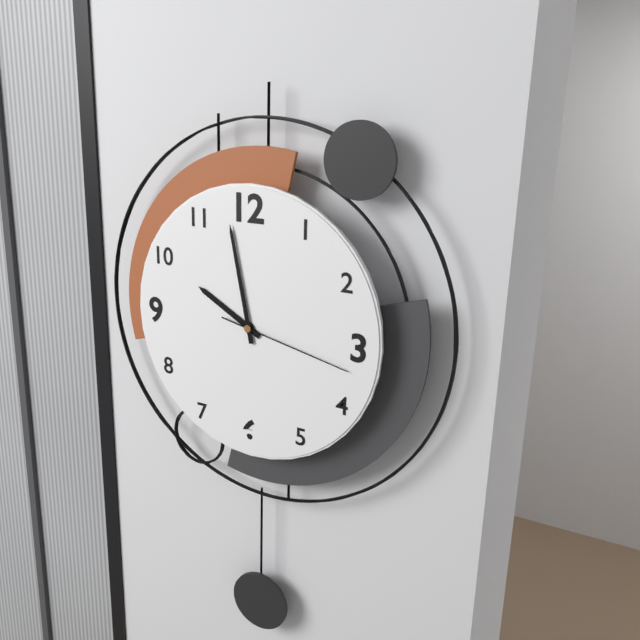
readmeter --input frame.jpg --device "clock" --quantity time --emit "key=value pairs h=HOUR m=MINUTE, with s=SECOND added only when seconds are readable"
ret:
h=9 m=58 s=17
